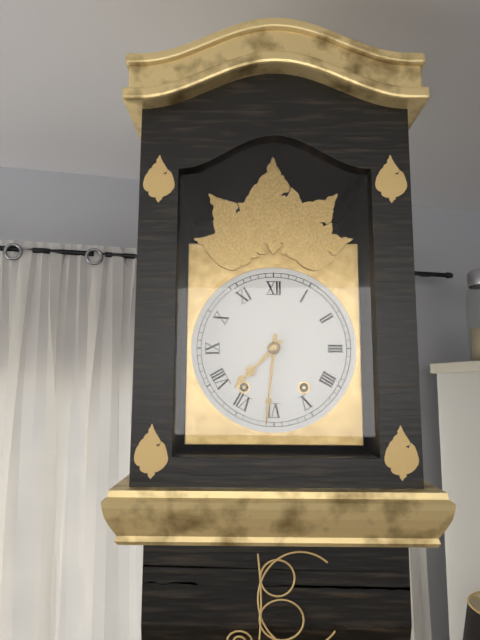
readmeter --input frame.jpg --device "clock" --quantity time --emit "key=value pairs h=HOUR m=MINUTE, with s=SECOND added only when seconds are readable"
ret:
h=7 m=31
